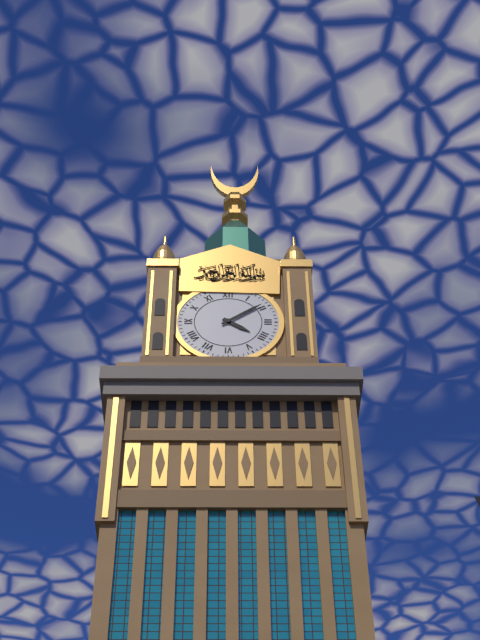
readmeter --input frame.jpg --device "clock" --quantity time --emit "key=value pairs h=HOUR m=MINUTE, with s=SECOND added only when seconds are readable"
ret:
h=4 m=9
